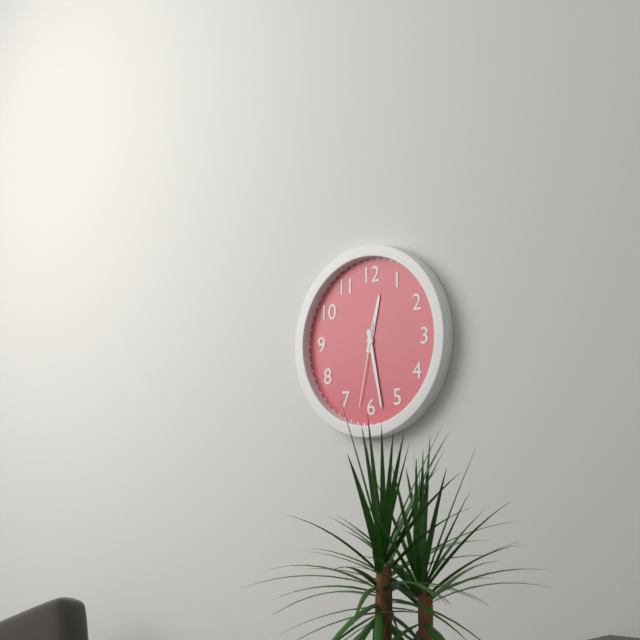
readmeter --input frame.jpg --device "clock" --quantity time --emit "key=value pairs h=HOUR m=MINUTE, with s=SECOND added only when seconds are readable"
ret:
h=12 m=28 s=32
